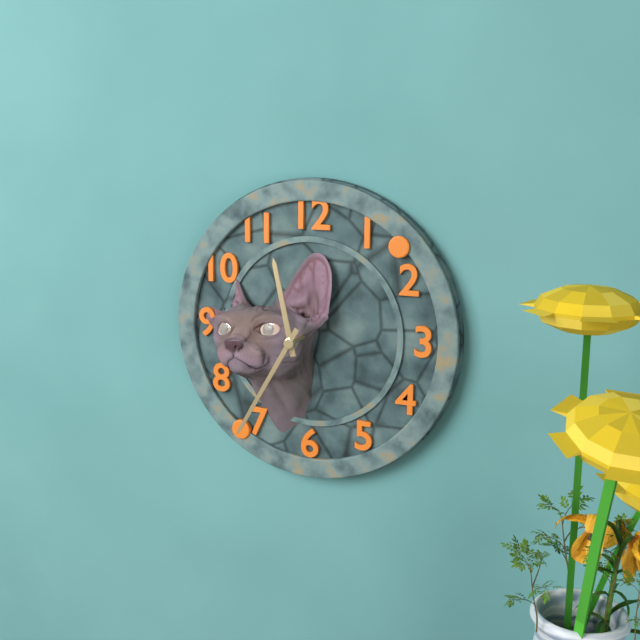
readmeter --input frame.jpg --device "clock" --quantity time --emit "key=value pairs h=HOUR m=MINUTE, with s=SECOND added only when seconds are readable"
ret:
h=11 m=35
